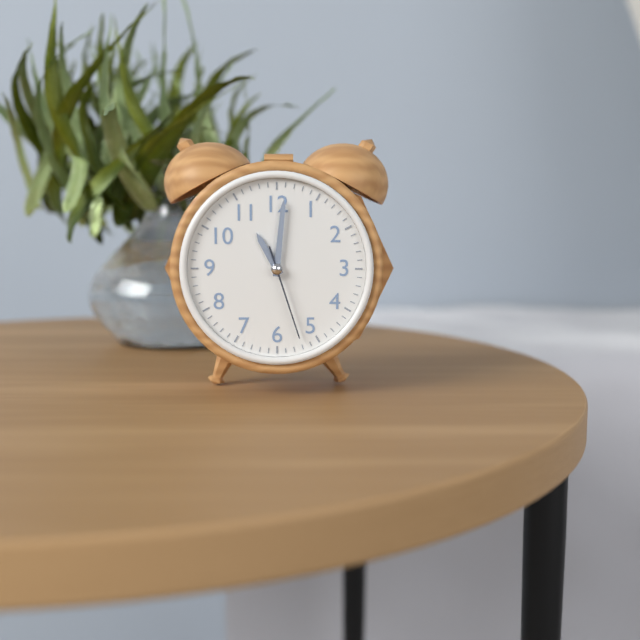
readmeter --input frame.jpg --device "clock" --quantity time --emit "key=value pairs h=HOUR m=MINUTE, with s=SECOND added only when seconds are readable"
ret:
h=11 m=1 s=27
